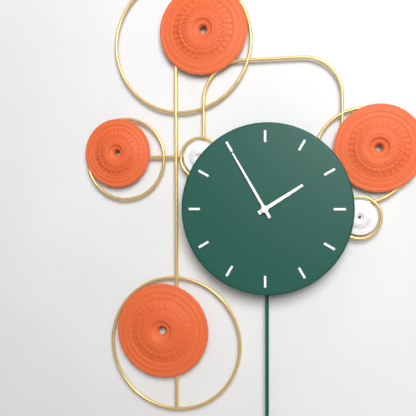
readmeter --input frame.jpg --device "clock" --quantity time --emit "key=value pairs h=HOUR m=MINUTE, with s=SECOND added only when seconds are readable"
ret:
h=1 m=55
